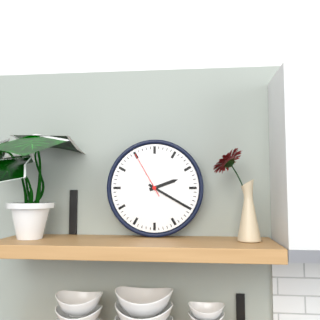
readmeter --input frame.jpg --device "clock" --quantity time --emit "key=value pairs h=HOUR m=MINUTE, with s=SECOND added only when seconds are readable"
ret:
h=2 m=20
